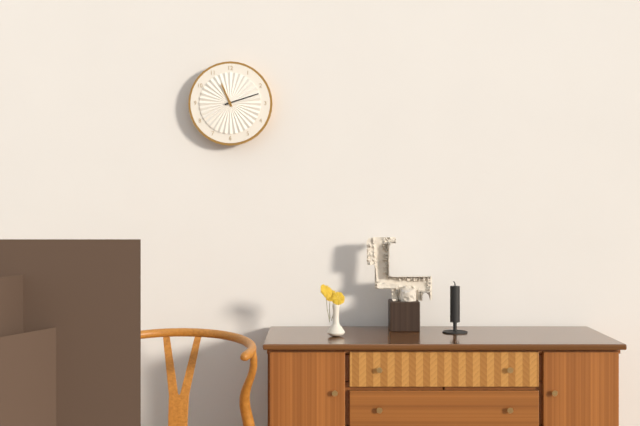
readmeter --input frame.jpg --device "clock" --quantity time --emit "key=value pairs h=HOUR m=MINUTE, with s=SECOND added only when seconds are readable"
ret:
h=11 m=12
